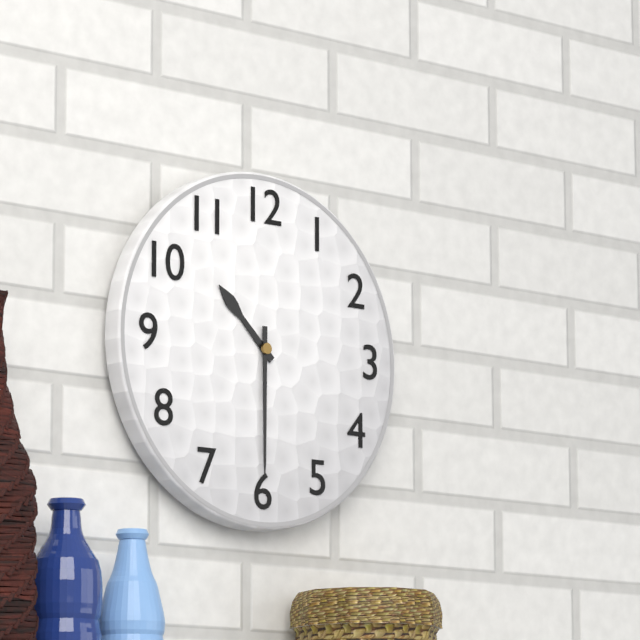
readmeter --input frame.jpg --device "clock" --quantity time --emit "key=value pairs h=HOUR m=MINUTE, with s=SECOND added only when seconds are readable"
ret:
h=10 m=30
